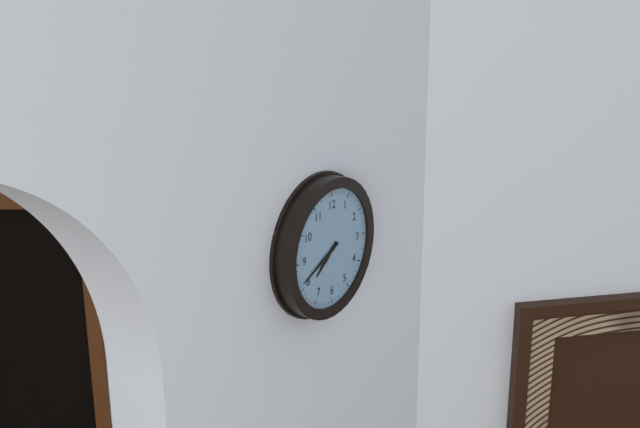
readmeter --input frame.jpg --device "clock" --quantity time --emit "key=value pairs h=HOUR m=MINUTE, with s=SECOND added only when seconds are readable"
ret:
h=7 m=41
